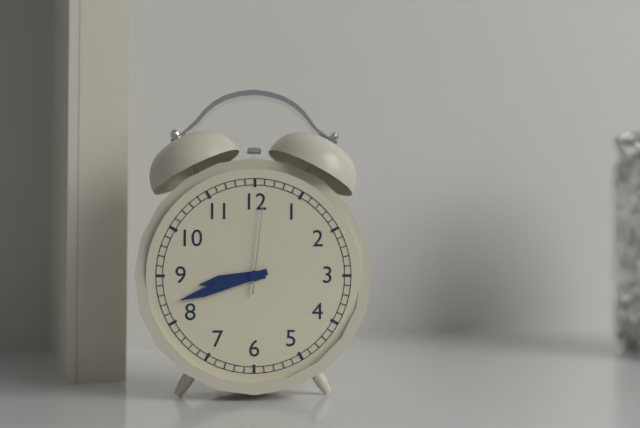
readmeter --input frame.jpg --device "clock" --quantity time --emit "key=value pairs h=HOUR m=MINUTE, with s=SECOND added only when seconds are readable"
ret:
h=8 m=42 s=1
